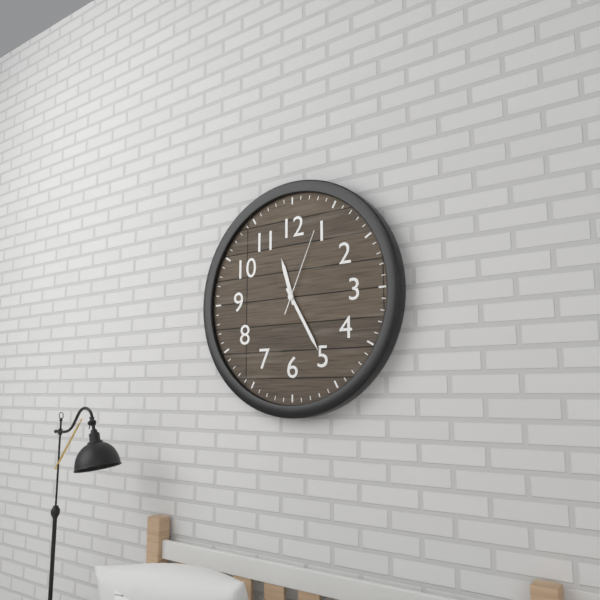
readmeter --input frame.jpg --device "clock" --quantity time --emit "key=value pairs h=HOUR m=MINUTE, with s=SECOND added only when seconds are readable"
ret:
h=11 m=25 s=4
